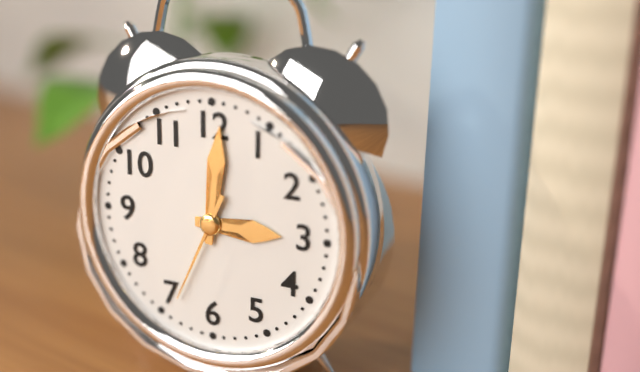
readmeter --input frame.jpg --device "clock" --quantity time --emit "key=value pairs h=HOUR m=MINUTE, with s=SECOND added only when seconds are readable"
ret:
h=3 m=1 s=34
